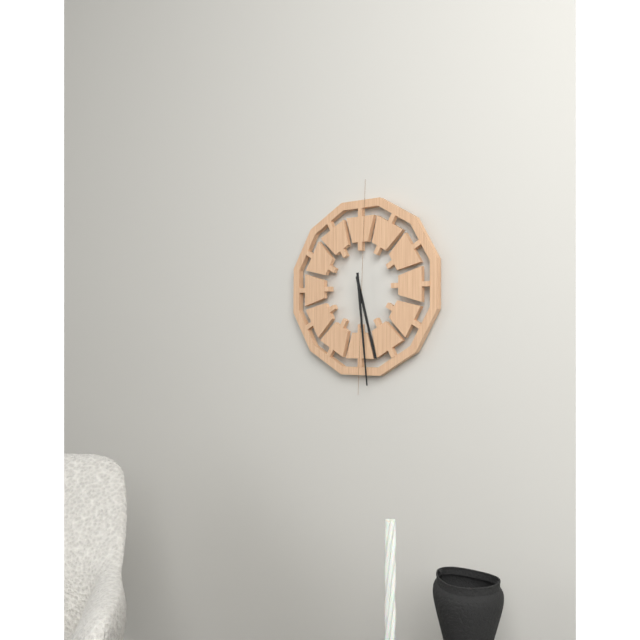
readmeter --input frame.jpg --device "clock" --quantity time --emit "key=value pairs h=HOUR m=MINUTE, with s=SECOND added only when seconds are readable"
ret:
h=5 m=29
